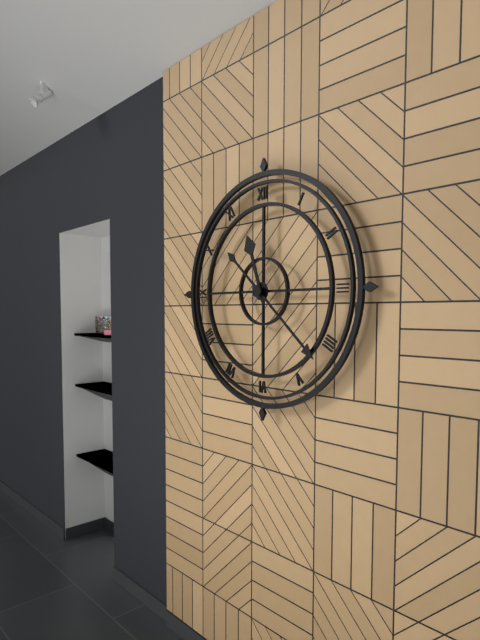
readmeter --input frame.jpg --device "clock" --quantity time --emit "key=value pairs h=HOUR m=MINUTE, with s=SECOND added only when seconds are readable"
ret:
h=11 m=22
